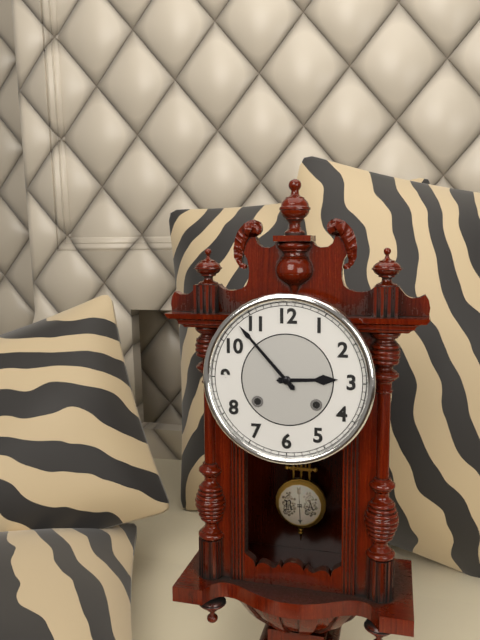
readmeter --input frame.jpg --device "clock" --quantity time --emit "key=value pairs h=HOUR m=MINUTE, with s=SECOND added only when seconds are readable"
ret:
h=2 m=53
